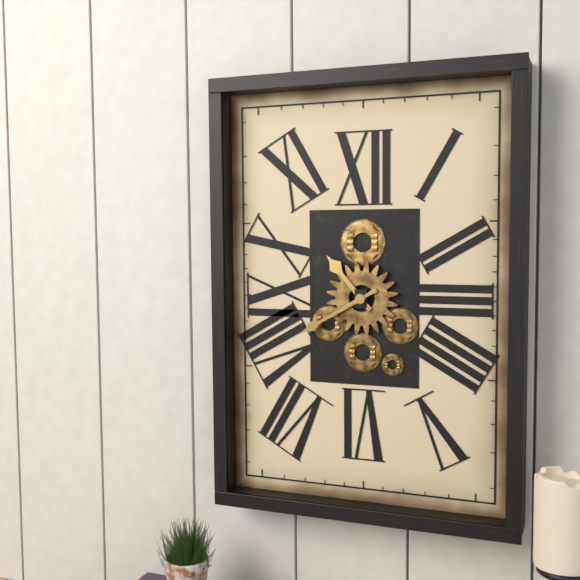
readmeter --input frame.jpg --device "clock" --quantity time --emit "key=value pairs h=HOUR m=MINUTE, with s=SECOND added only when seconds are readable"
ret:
h=10 m=40
